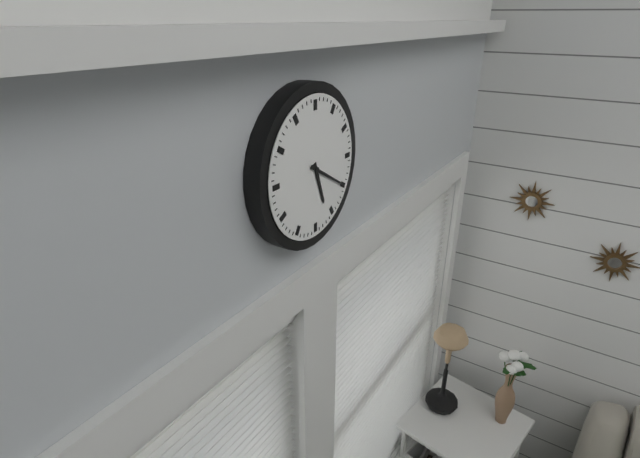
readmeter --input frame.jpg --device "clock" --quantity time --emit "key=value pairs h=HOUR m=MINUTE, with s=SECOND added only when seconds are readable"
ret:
h=5 m=20
